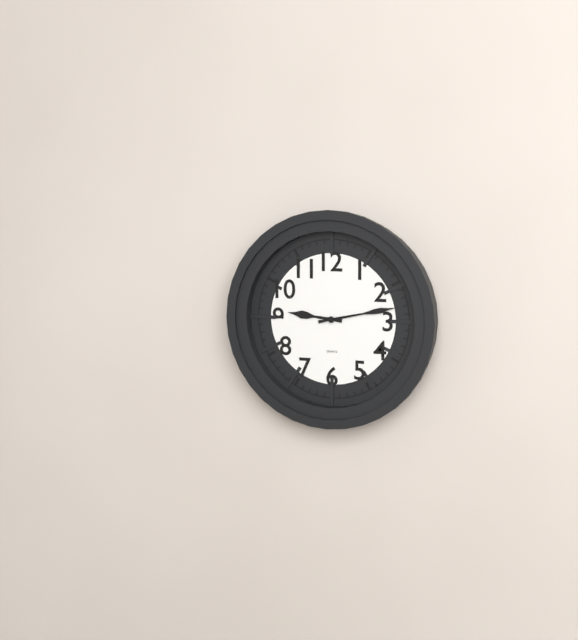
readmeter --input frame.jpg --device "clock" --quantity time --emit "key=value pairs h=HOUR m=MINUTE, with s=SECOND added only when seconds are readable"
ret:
h=9 m=13
